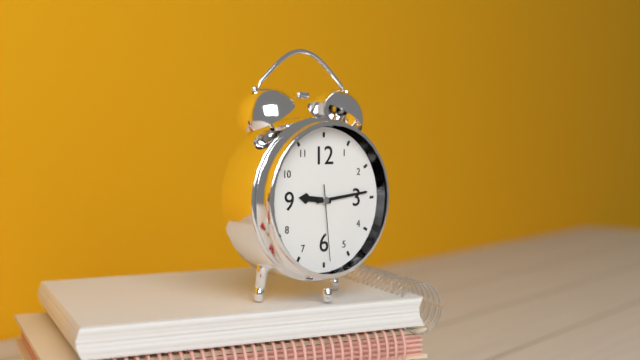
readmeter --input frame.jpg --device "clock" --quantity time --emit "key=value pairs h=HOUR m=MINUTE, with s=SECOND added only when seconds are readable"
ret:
h=9 m=14 s=29
